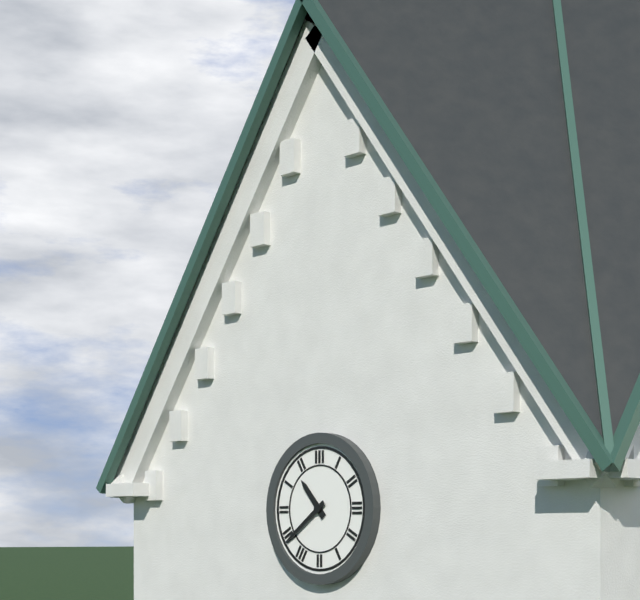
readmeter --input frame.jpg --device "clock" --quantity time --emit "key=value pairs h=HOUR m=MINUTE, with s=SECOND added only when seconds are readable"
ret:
h=10 m=39
